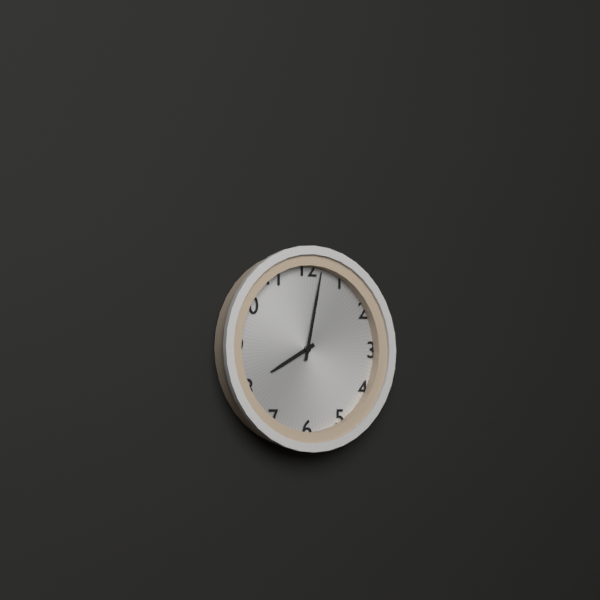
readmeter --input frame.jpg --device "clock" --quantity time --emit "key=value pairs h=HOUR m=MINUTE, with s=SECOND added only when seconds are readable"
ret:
h=8 m=2
